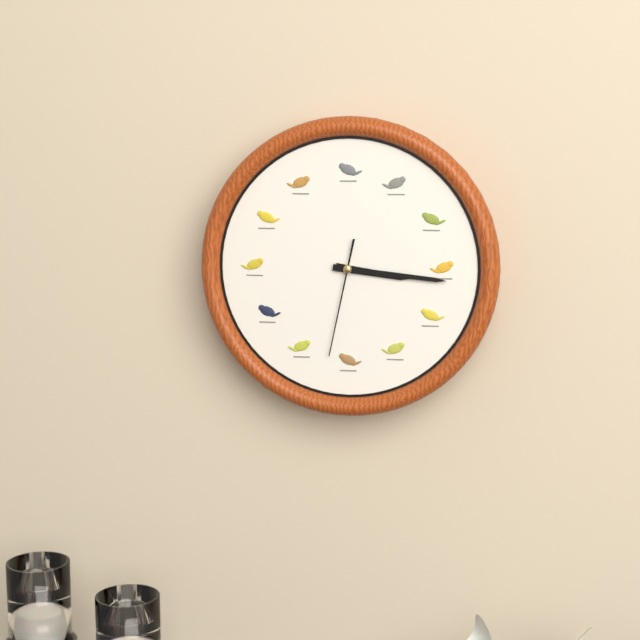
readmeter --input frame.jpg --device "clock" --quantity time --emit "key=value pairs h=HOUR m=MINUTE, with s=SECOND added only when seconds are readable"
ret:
h=3 m=16 s=32
